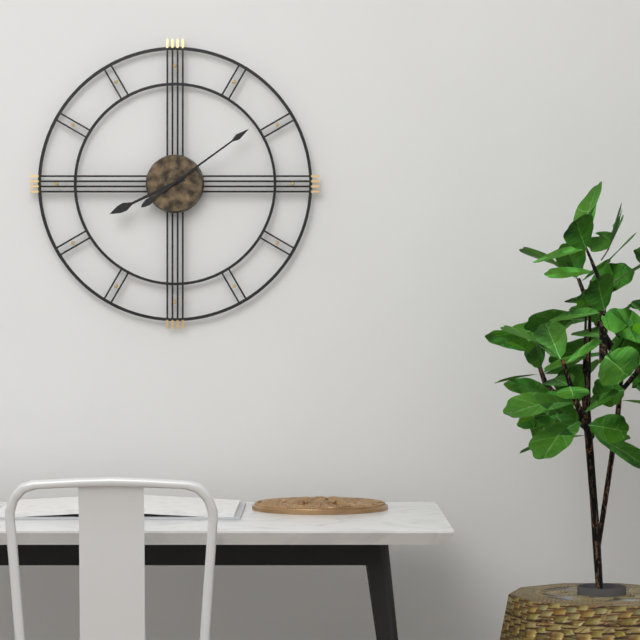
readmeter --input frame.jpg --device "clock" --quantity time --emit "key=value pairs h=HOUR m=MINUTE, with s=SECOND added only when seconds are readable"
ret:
h=8 m=9
